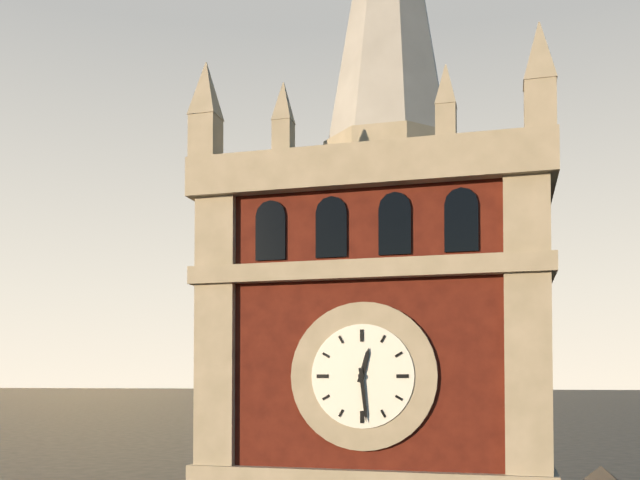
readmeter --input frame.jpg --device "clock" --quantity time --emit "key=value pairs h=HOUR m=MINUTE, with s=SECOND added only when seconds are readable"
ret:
h=12 m=29
